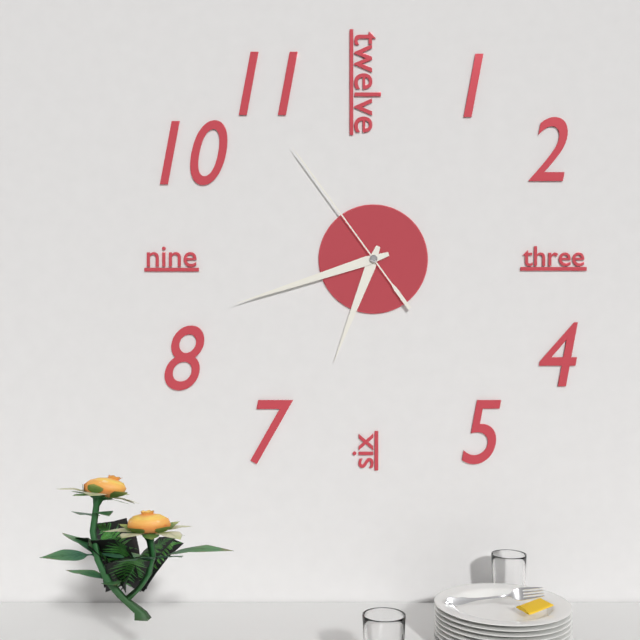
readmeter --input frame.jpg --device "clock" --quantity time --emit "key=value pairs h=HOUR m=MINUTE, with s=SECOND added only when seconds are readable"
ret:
h=6 m=42 s=54
